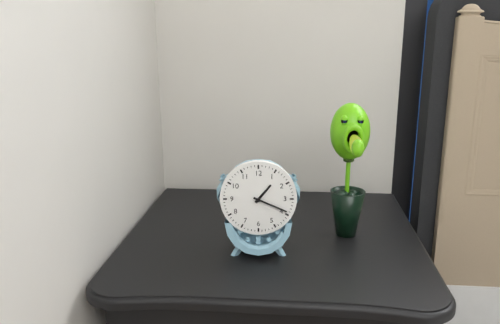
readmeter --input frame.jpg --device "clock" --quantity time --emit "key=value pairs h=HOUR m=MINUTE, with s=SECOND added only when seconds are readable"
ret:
h=1 m=19
